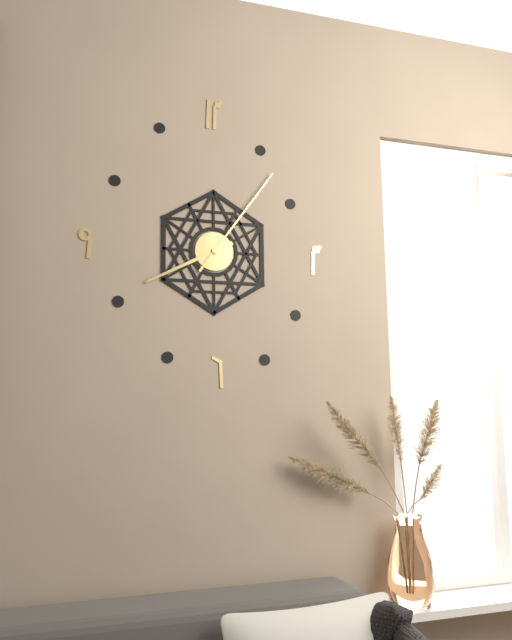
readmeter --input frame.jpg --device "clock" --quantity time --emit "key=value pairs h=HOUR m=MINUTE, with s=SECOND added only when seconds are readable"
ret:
h=8 m=6
